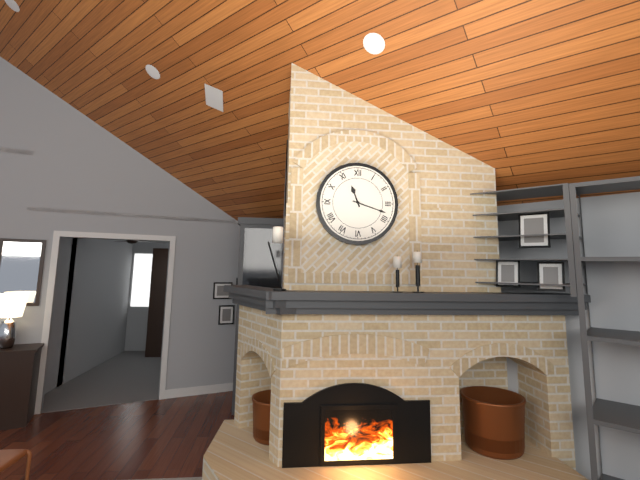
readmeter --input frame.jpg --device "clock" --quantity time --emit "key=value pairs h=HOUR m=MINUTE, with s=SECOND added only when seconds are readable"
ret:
h=11 m=18
